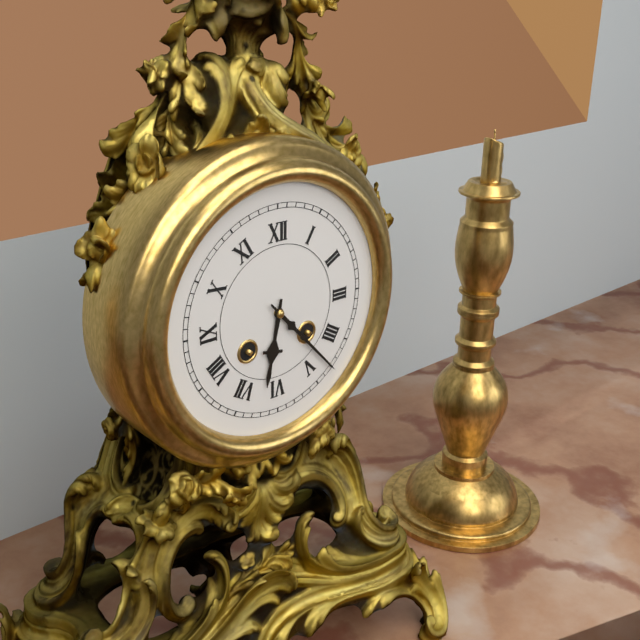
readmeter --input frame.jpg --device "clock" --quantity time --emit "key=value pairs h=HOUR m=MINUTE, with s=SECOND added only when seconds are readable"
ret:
h=6 m=23
